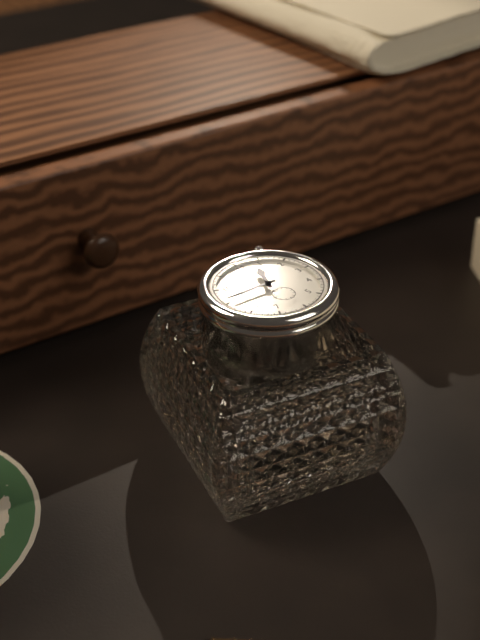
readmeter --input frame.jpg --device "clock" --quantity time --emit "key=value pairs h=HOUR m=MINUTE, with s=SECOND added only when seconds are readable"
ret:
h=12 m=46
